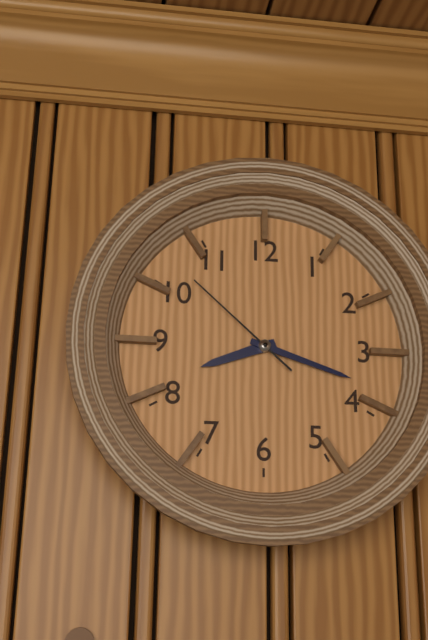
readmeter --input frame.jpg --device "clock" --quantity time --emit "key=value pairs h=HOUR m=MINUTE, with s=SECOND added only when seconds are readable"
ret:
h=8 m=18 s=52
